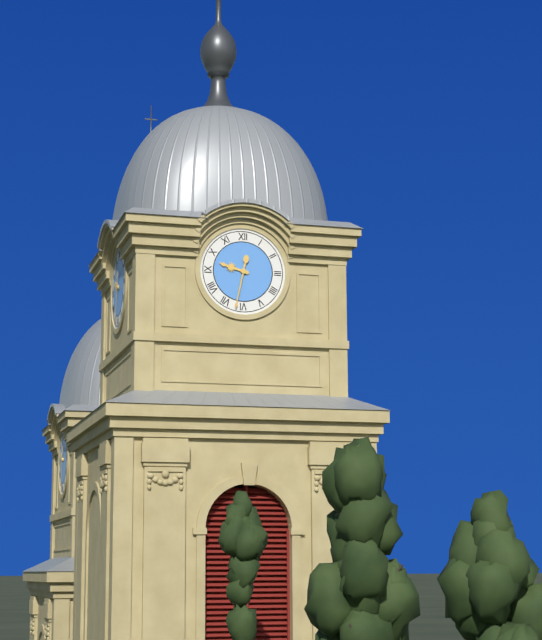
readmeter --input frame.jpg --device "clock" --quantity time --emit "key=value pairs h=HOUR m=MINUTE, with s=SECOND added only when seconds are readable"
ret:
h=9 m=32
